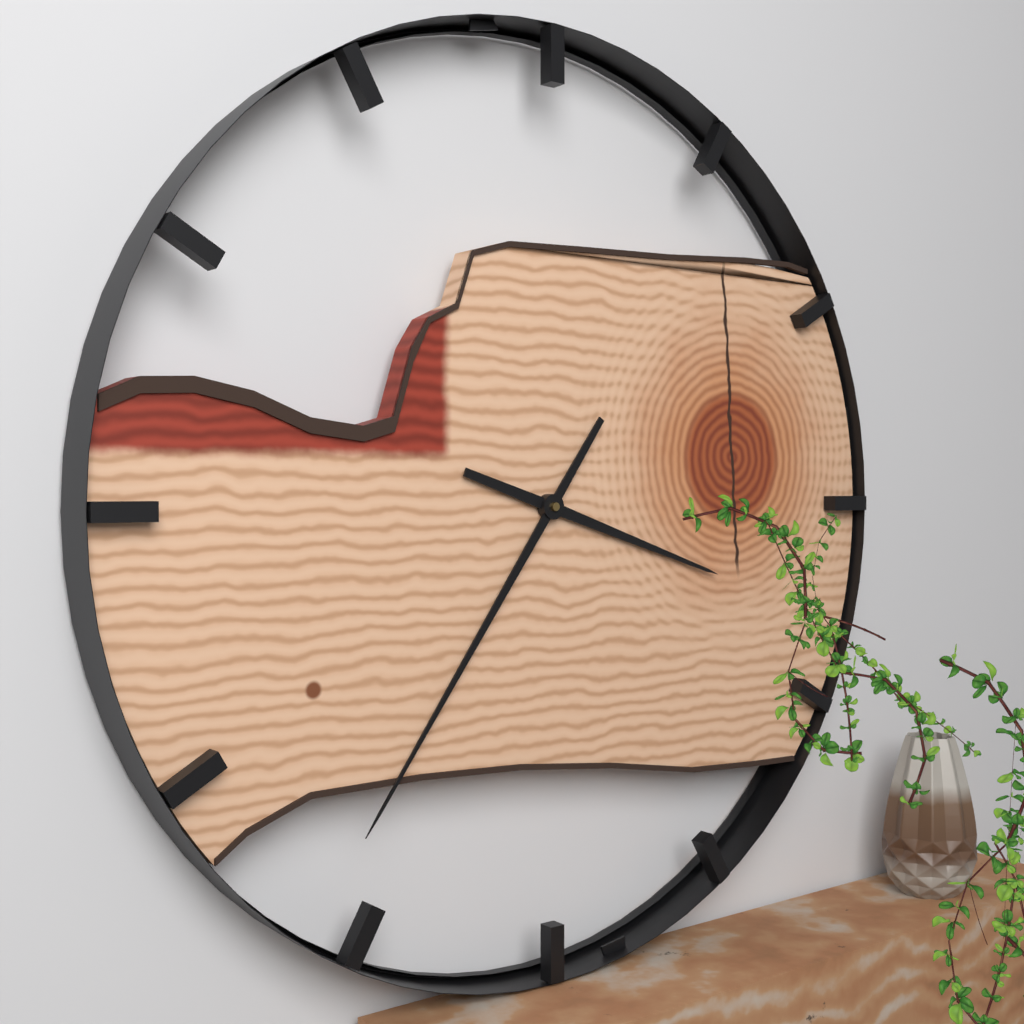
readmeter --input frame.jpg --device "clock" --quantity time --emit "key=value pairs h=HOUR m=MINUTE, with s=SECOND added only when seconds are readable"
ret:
h=3 m=36
